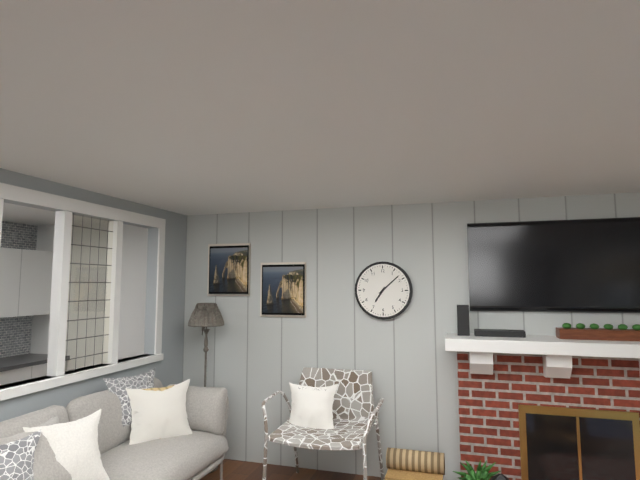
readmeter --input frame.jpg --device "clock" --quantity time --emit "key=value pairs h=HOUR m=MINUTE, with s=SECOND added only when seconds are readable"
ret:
h=7 m=8
